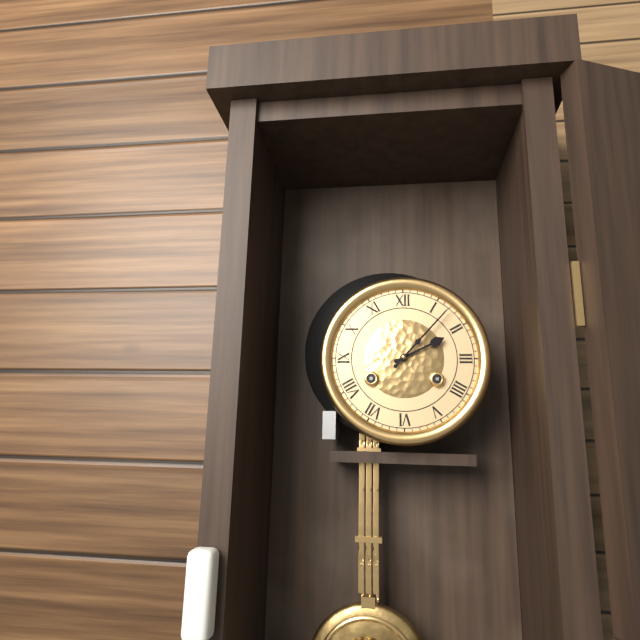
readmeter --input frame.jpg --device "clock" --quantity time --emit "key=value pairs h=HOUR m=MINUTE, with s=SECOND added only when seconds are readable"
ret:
h=2 m=7
